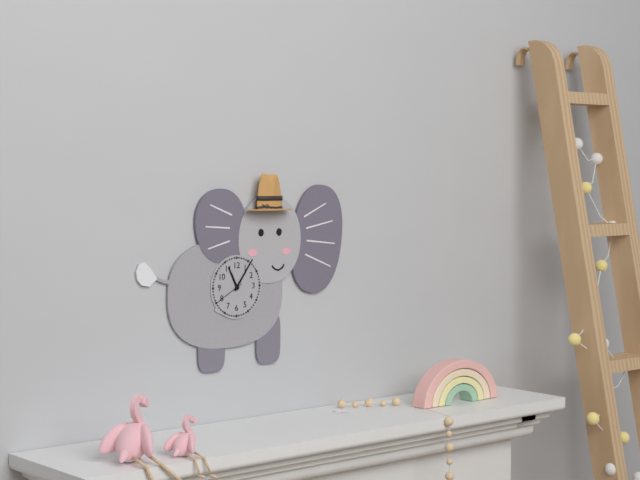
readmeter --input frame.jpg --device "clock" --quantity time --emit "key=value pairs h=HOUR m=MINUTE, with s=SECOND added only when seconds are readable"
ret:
h=11 m=6
